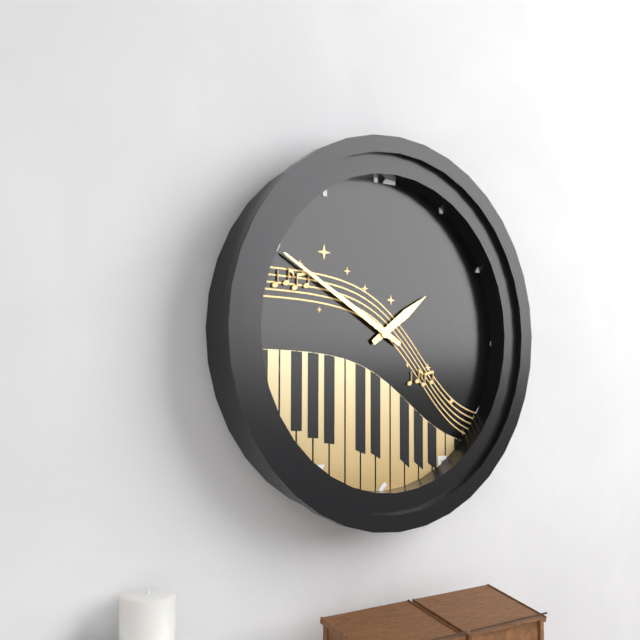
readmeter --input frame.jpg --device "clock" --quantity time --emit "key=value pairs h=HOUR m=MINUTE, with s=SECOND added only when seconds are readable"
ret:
h=1 m=50
